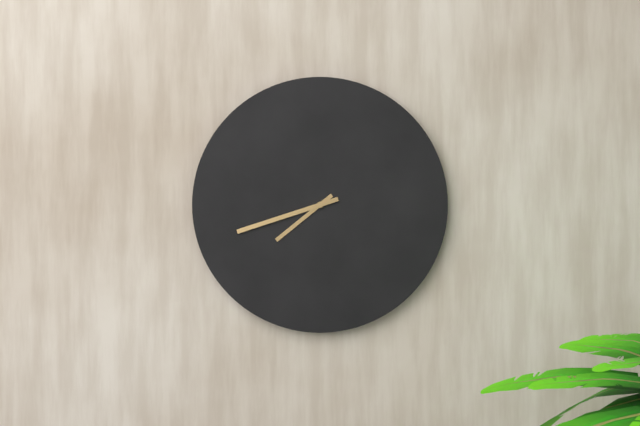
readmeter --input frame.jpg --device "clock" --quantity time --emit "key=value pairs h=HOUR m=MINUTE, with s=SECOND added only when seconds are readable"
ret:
h=7 m=42
